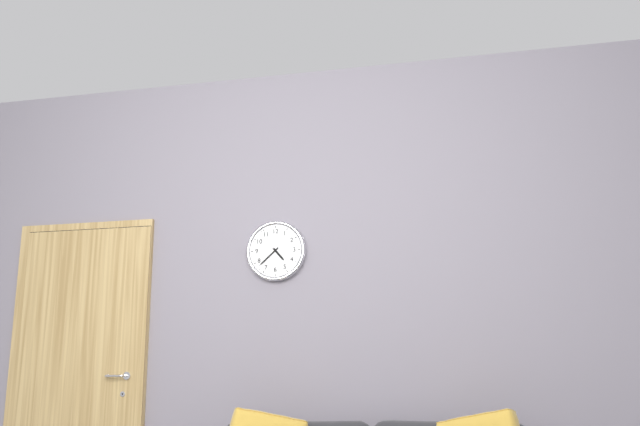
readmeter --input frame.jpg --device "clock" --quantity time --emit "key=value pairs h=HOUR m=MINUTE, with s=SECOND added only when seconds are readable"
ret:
h=4 m=38
